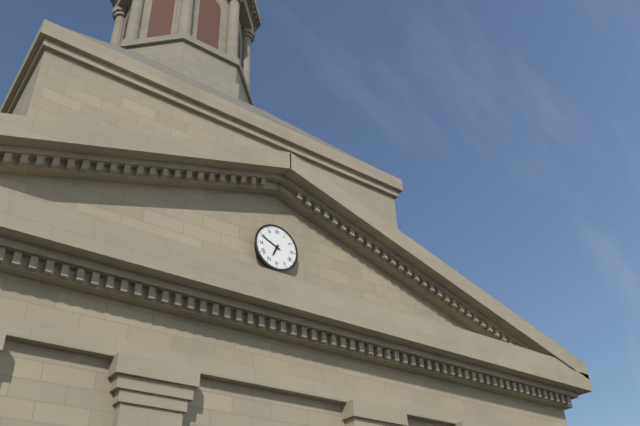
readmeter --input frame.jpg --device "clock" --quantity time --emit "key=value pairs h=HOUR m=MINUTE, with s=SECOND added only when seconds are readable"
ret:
h=6 m=49
